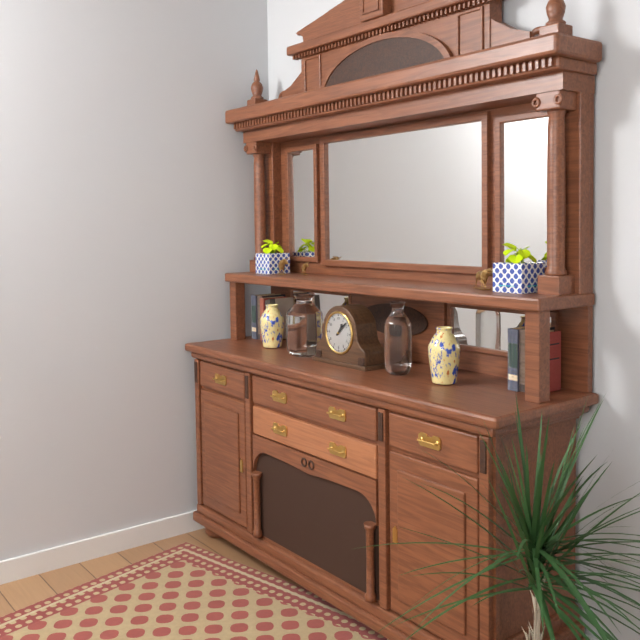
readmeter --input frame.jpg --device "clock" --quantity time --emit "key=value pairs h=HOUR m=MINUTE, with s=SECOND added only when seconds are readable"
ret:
h=1 m=8
